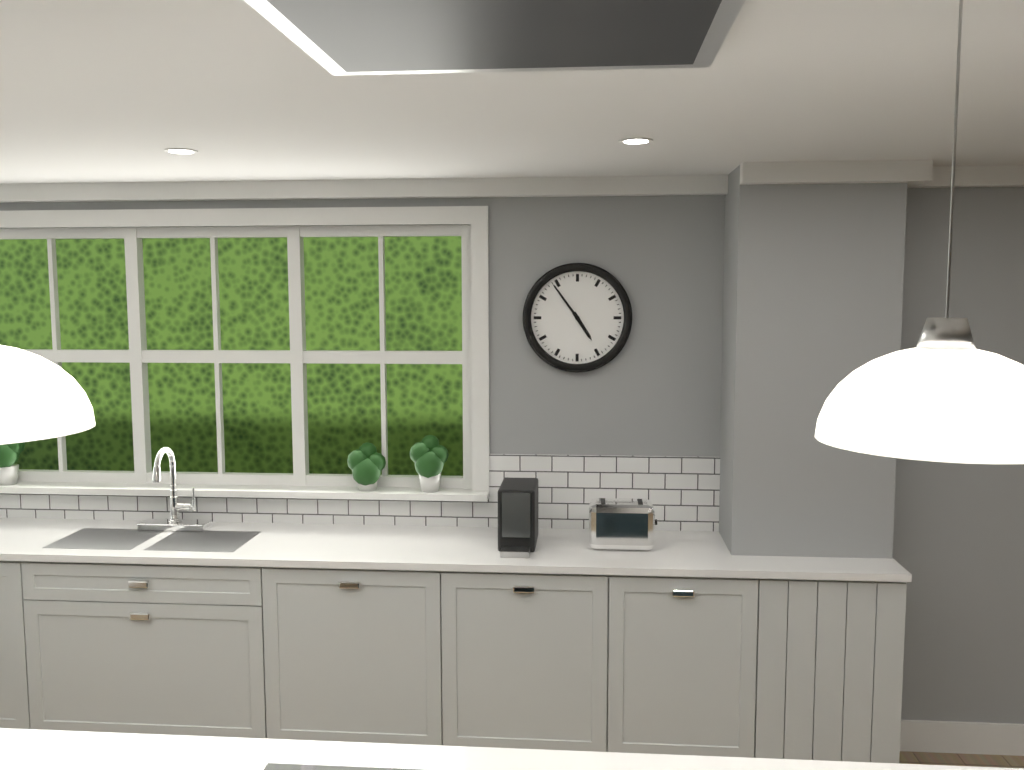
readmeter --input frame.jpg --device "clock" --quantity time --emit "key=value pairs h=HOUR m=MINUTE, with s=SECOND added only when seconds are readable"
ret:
h=4 m=54
